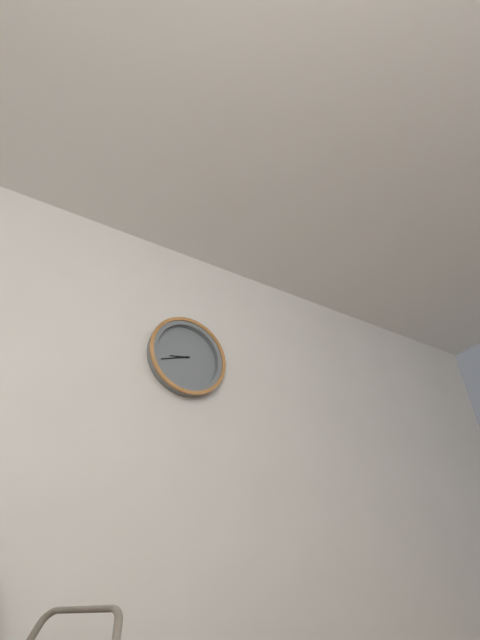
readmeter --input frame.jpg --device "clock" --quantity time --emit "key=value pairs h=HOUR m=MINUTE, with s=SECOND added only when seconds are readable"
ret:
h=8 m=42
